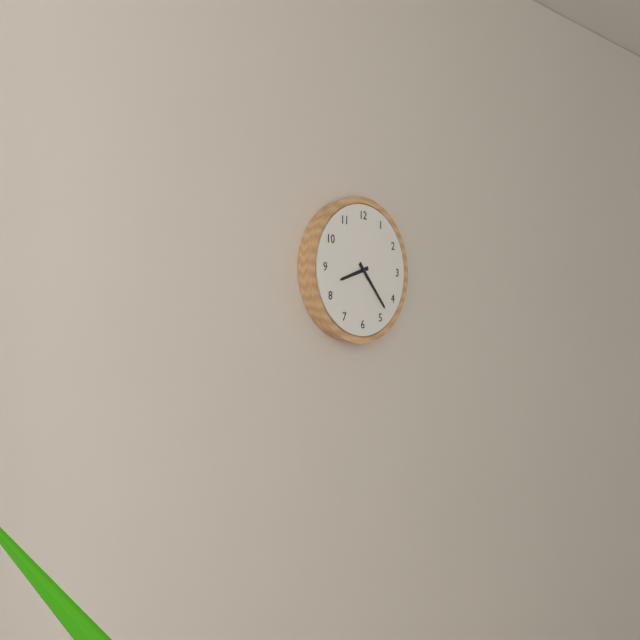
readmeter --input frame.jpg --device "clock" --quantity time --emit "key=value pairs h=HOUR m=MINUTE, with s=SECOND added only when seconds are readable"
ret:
h=8 m=23
